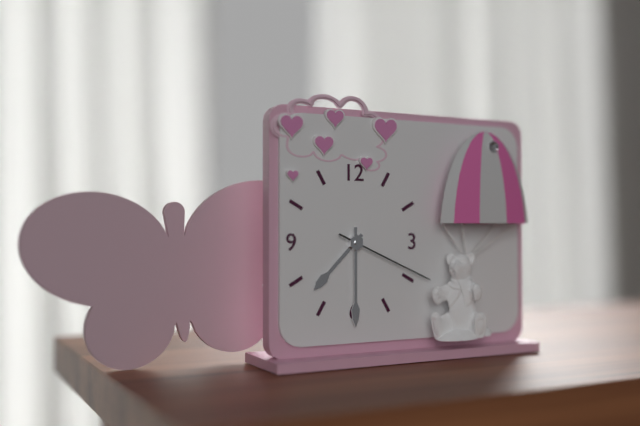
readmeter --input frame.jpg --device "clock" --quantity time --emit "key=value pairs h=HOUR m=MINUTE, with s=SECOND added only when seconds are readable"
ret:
h=7 m=30 s=19
